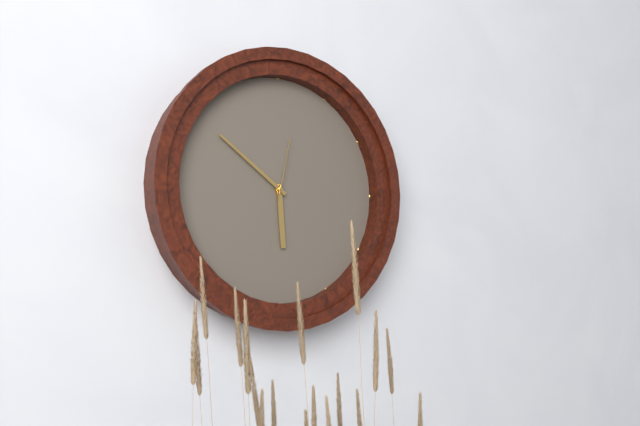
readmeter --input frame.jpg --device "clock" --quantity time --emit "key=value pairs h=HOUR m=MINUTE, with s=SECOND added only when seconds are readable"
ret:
h=5 m=51 s=2
